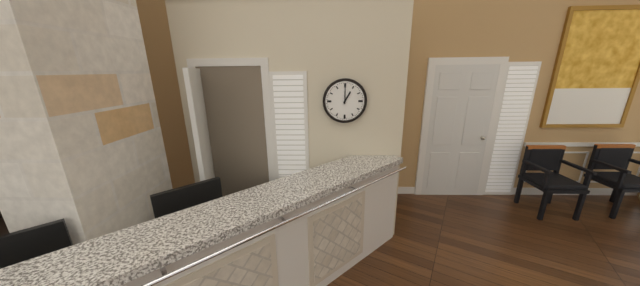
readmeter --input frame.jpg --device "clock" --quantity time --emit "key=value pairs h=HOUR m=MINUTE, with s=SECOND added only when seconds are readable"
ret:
h=1 m=0
